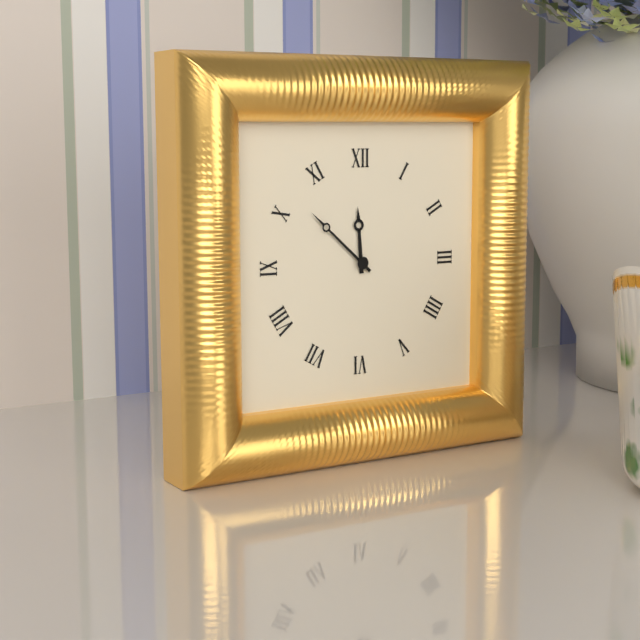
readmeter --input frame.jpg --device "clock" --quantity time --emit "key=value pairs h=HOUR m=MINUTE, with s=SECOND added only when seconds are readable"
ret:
h=11 m=52
